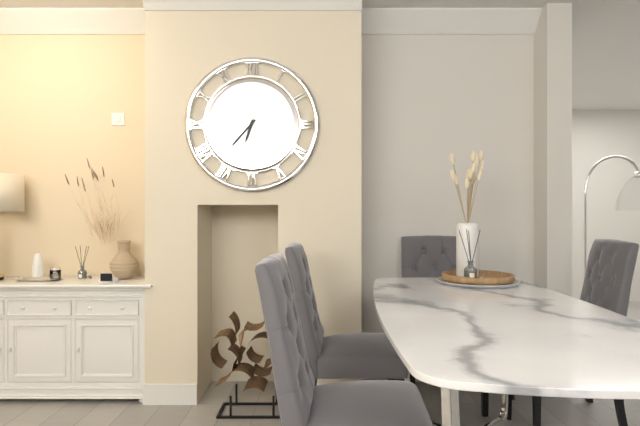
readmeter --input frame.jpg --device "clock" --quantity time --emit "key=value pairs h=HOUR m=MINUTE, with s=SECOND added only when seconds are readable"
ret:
h=6 m=37
